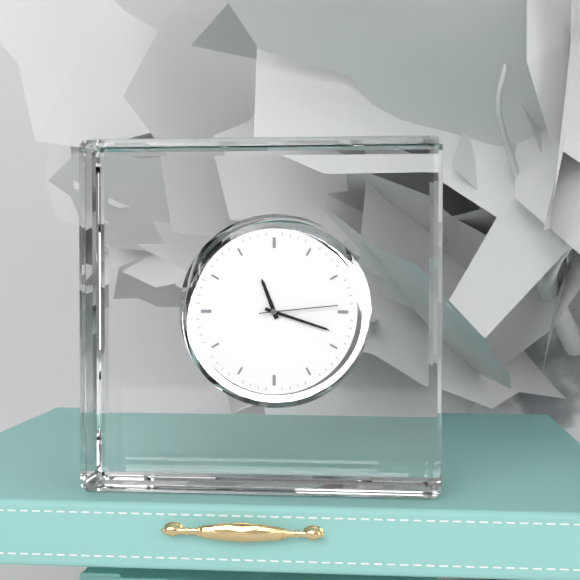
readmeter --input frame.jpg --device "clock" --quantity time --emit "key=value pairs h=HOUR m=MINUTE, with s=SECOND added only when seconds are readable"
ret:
h=11 m=18 s=14
